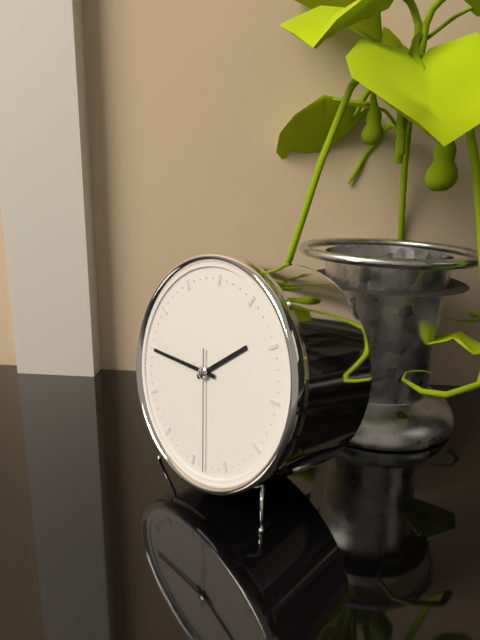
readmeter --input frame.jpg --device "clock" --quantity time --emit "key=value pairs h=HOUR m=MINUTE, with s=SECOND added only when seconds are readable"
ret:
h=1 m=45 s=28
